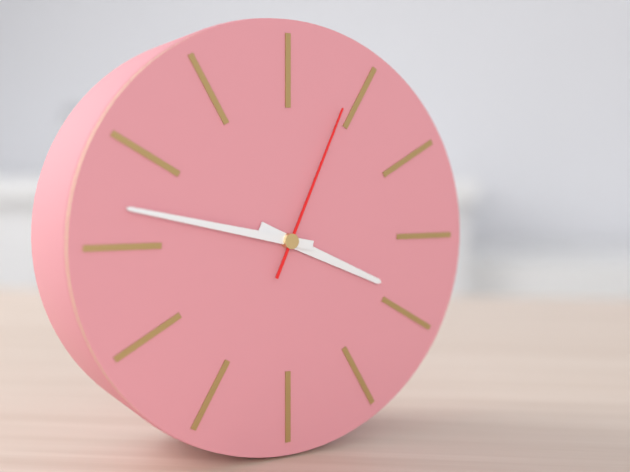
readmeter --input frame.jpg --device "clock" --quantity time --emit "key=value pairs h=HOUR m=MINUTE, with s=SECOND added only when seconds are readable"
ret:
h=3 m=47 s=4
